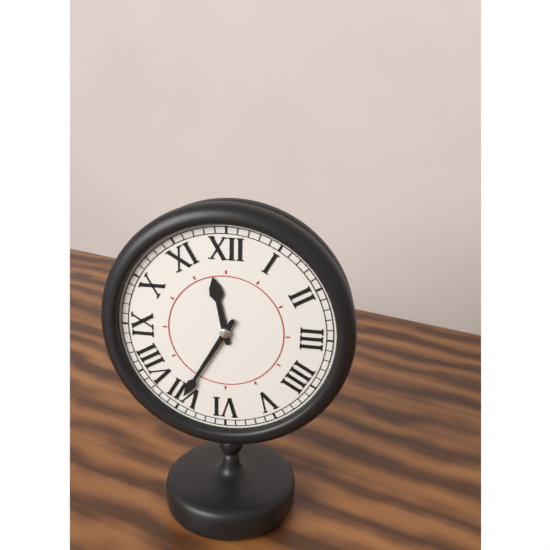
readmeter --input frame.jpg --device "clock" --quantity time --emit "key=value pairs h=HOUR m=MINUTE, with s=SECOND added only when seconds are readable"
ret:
h=11 m=35
